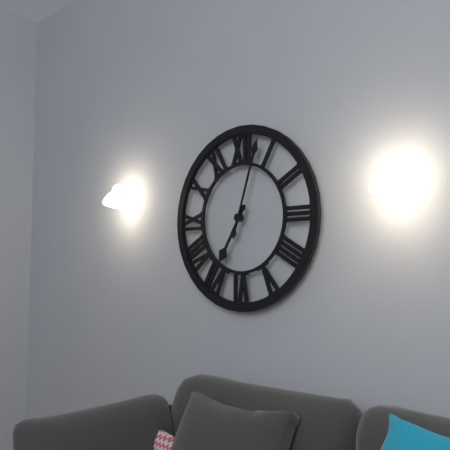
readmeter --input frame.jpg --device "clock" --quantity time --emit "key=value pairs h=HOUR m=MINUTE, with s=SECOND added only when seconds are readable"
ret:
h=7 m=3
